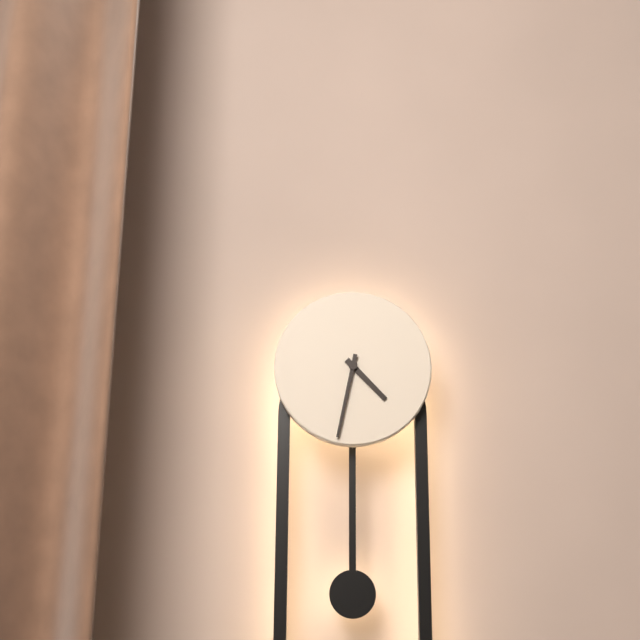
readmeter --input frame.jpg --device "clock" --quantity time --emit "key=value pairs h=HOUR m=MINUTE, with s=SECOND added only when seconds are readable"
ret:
h=4 m=32
